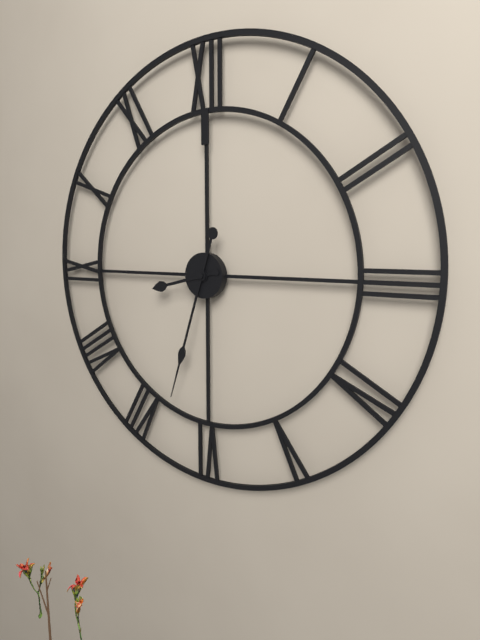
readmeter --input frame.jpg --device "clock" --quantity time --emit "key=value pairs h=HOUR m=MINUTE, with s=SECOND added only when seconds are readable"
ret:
h=8 m=33
